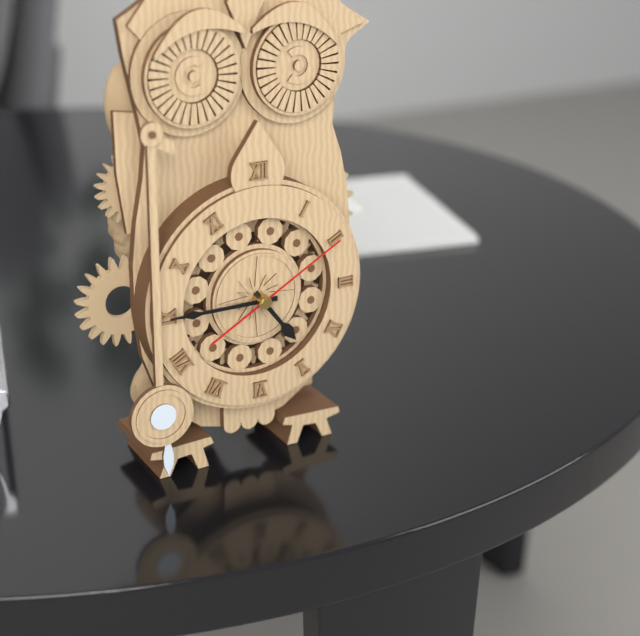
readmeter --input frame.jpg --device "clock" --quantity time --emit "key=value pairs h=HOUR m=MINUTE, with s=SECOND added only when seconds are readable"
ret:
h=4 m=45 s=10
